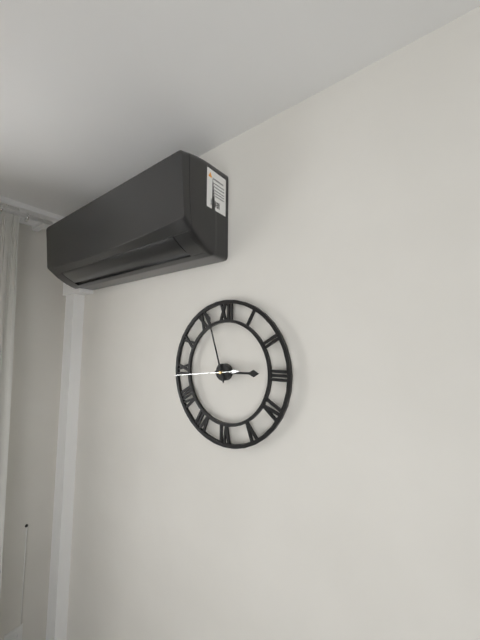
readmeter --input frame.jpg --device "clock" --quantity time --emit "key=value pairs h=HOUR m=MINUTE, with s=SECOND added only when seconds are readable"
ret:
h=2 m=57 s=44
